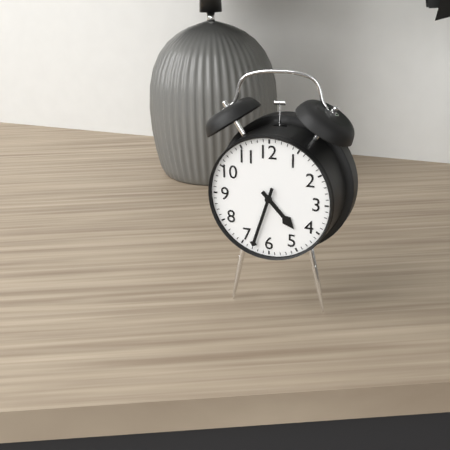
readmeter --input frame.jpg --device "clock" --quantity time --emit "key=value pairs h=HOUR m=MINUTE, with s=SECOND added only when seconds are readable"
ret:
h=4 m=33
